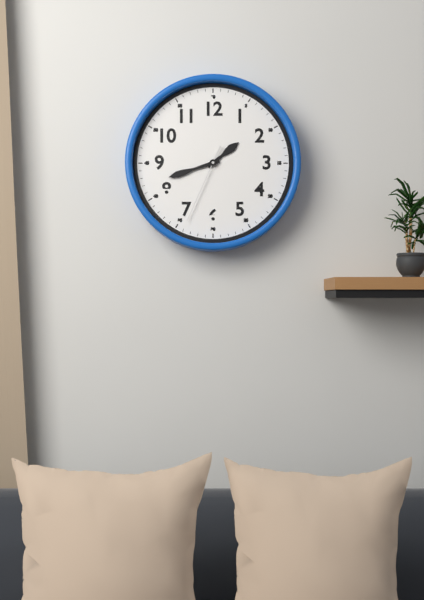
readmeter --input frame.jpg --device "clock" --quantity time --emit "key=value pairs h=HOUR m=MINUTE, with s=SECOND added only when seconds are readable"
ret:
h=1 m=42 s=34
